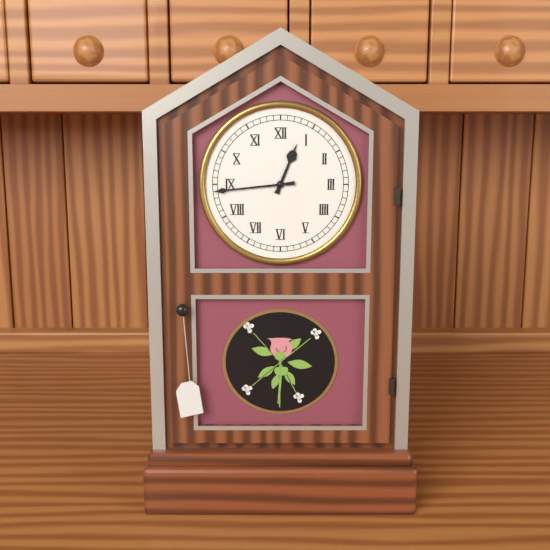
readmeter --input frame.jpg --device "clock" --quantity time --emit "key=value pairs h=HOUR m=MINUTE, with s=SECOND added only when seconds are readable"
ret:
h=12 m=44
